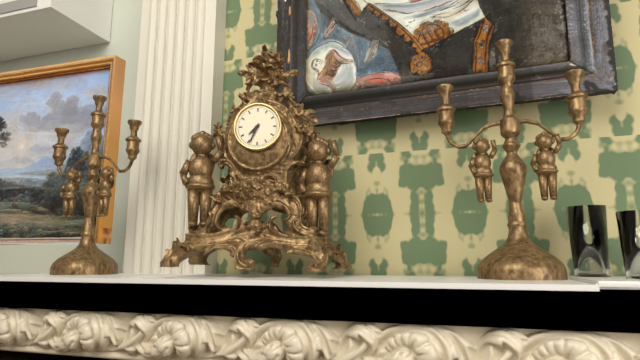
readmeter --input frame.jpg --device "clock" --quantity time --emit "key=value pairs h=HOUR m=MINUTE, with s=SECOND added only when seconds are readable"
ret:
h=7 m=34
